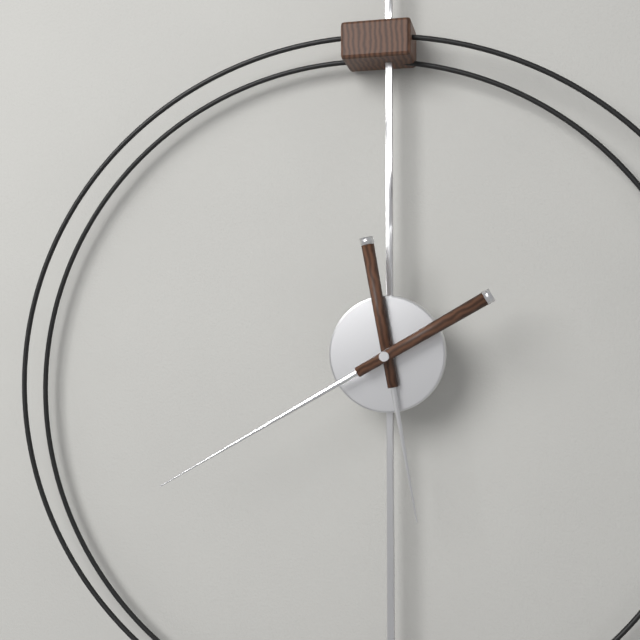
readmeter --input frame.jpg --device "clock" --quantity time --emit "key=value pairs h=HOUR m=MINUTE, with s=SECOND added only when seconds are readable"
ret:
h=5 m=40
